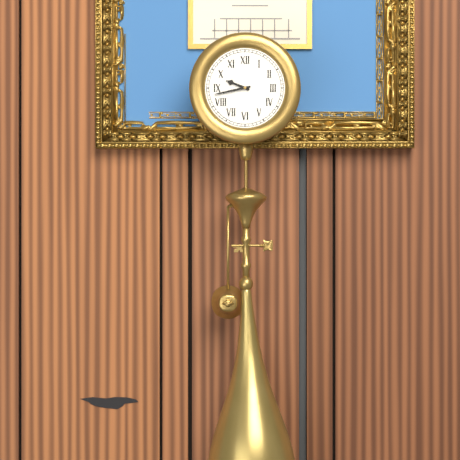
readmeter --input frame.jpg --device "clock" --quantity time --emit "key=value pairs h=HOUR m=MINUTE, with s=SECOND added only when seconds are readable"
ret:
h=9 m=43
